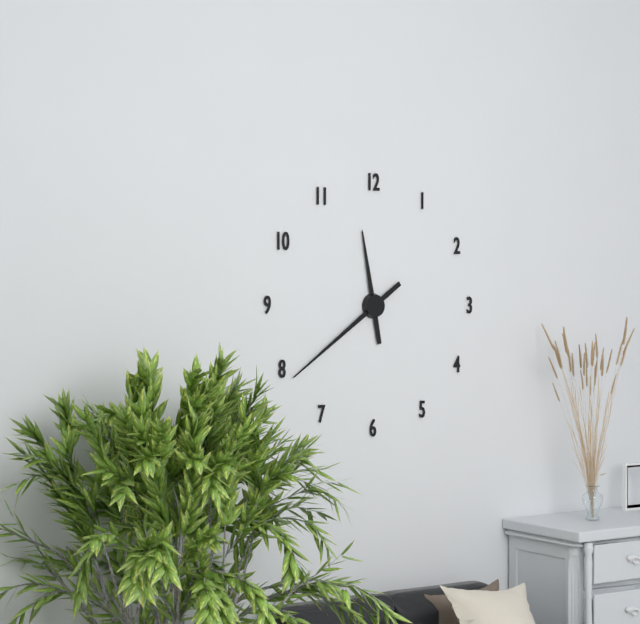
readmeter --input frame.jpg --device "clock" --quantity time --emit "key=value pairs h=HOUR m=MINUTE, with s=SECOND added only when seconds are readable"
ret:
h=11 m=39
